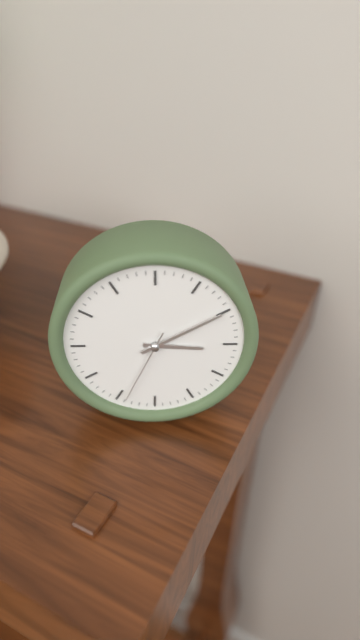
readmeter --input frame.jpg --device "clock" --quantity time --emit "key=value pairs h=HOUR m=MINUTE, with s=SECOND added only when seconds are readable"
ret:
h=3 m=10 s=34
